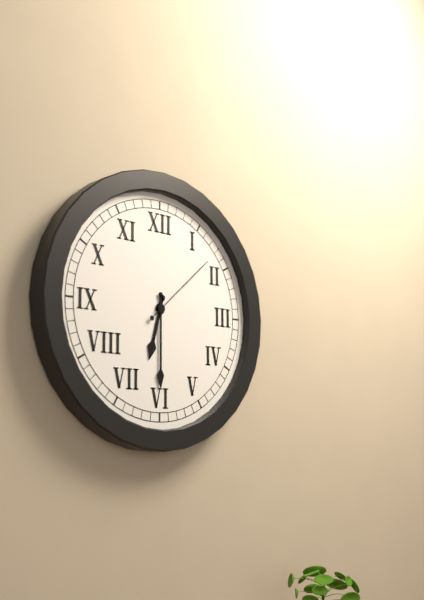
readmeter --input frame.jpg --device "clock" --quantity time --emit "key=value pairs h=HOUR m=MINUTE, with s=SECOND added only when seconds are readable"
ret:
h=6 m=30 s=8
